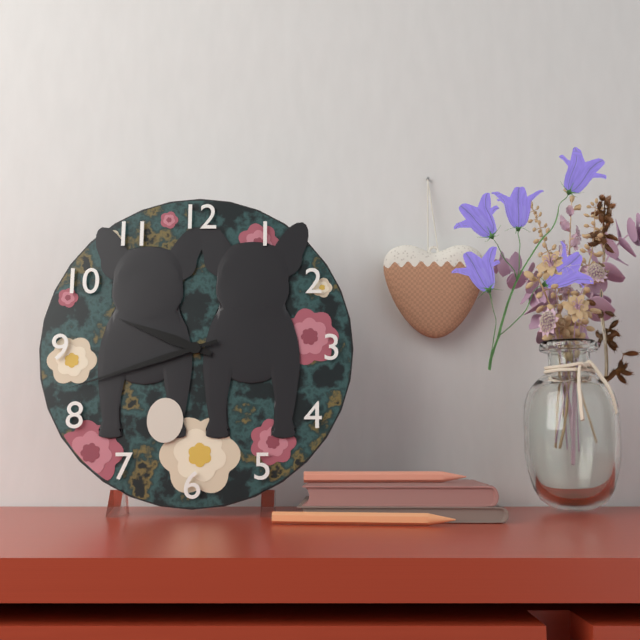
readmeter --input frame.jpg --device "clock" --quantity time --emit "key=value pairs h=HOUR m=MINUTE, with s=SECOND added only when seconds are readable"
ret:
h=9 m=42
